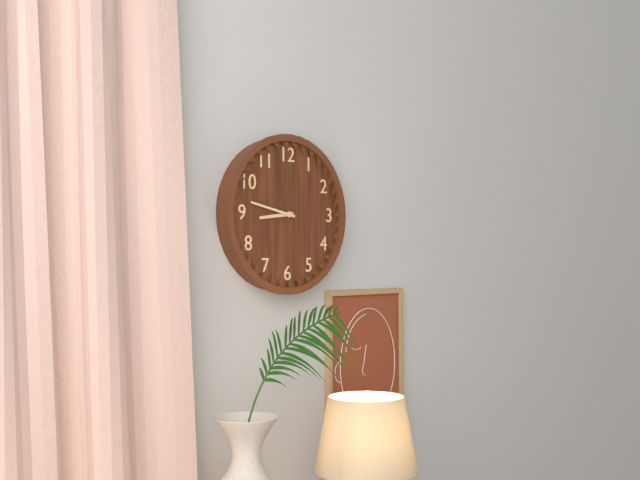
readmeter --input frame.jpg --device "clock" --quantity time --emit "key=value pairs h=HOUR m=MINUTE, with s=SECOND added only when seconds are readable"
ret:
h=8 m=47
